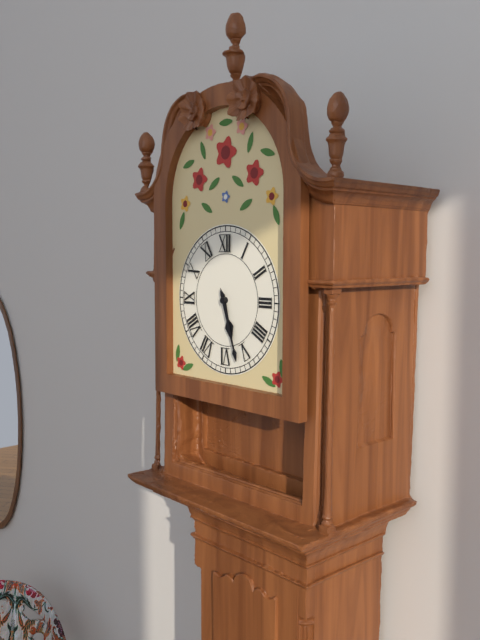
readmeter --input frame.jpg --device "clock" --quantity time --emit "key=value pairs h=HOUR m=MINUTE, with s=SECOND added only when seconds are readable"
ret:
h=5 m=27
